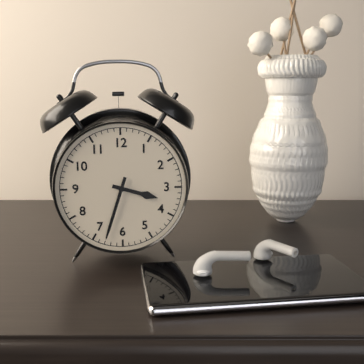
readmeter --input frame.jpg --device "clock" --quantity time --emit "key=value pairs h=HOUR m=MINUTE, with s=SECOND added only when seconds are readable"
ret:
h=3 m=33
